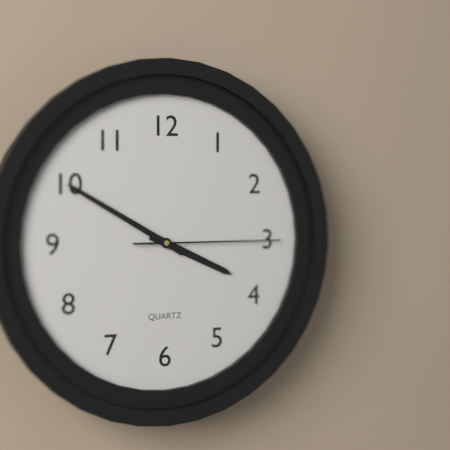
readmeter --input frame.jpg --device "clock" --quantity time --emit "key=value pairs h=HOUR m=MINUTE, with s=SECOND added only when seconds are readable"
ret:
h=3 m=50 s=15
